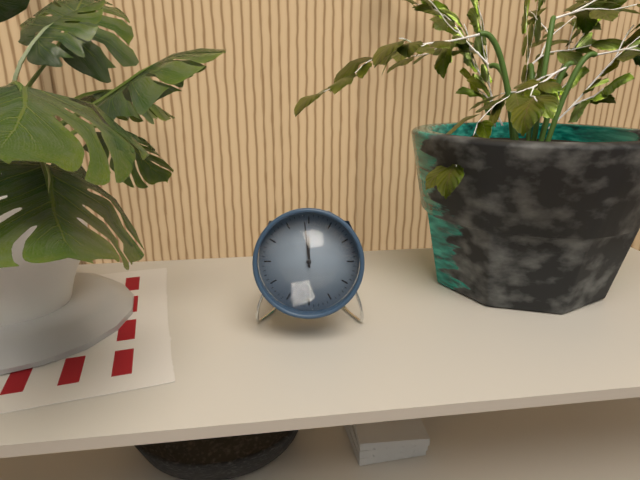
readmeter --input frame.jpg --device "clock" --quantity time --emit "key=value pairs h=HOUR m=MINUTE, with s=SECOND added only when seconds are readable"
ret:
h=11 m=59
